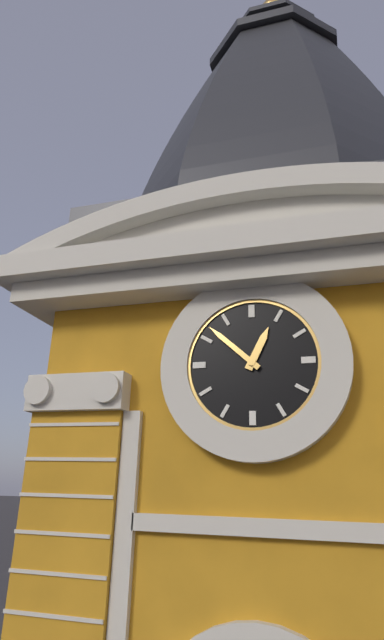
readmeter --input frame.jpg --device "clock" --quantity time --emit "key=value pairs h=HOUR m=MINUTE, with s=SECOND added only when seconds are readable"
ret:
h=12 m=52
